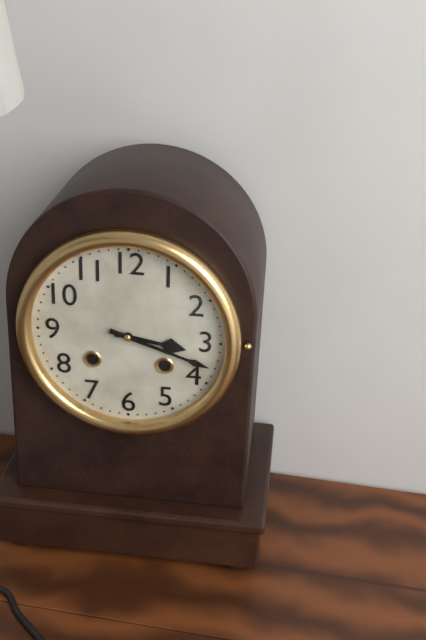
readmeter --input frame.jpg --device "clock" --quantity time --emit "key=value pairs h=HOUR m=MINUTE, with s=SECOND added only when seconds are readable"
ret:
h=3 m=18
